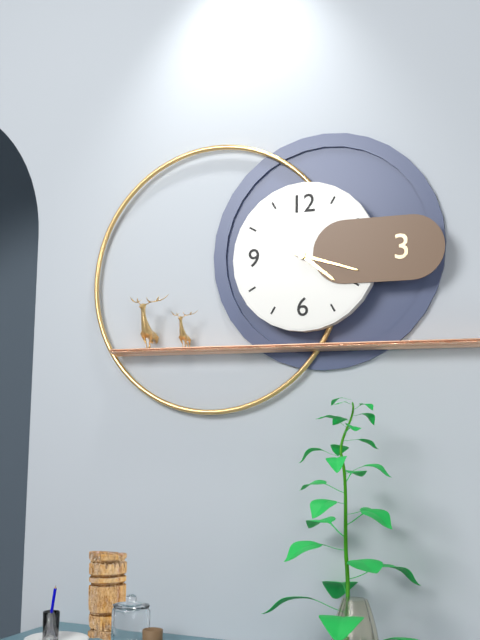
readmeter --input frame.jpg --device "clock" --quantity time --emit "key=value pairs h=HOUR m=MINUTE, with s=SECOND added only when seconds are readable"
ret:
h=4 m=18
